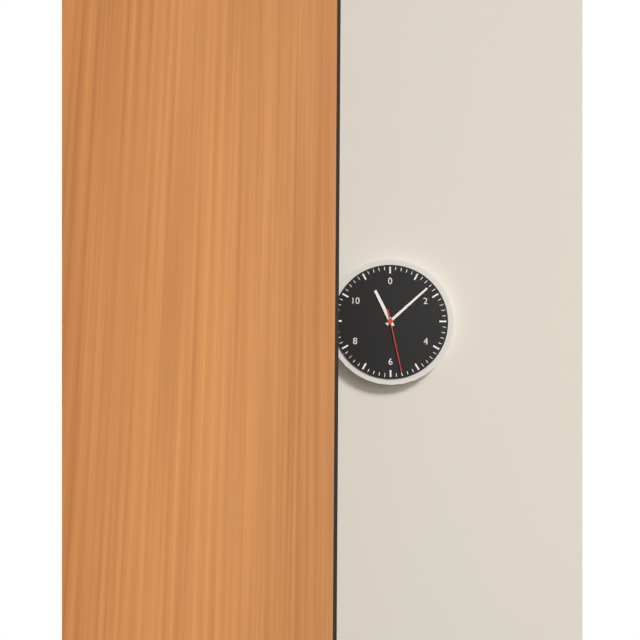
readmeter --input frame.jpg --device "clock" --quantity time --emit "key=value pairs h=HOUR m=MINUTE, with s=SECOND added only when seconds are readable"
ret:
h=11 m=8 s=28
